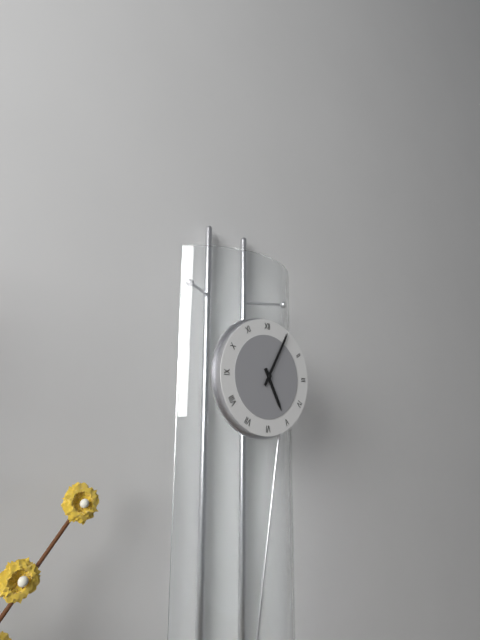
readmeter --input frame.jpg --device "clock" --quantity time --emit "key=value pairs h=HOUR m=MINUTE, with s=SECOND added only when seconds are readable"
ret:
h=5 m=5
